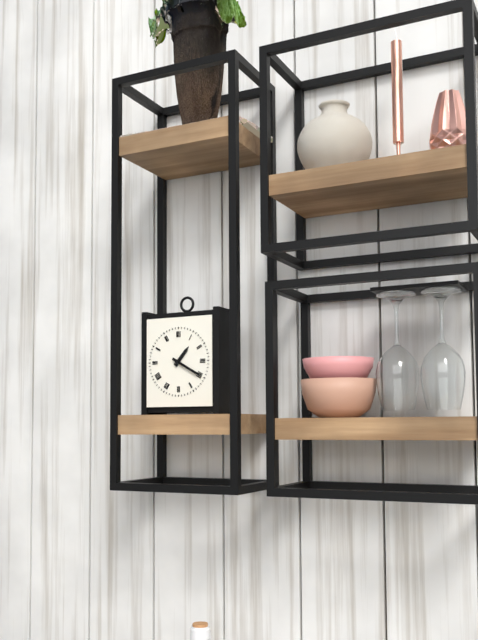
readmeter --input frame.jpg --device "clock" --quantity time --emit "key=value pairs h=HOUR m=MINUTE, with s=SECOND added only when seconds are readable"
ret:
h=1 m=20
